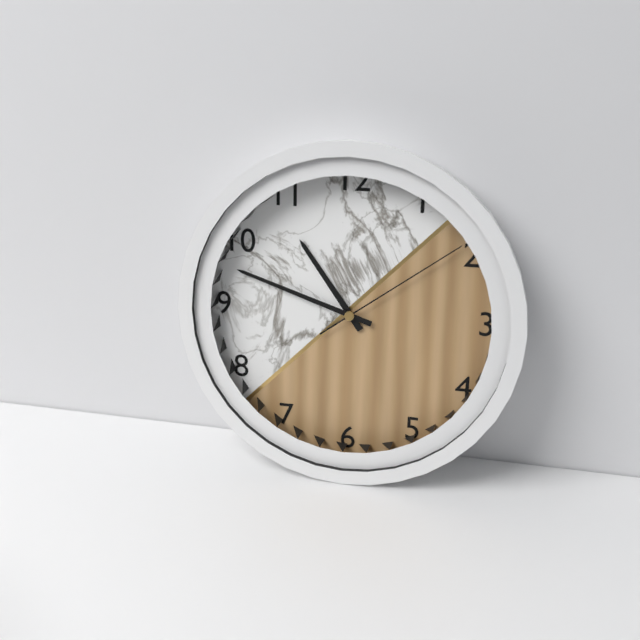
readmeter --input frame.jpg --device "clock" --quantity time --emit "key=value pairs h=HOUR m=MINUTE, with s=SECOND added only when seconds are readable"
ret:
h=10 m=48 s=9
